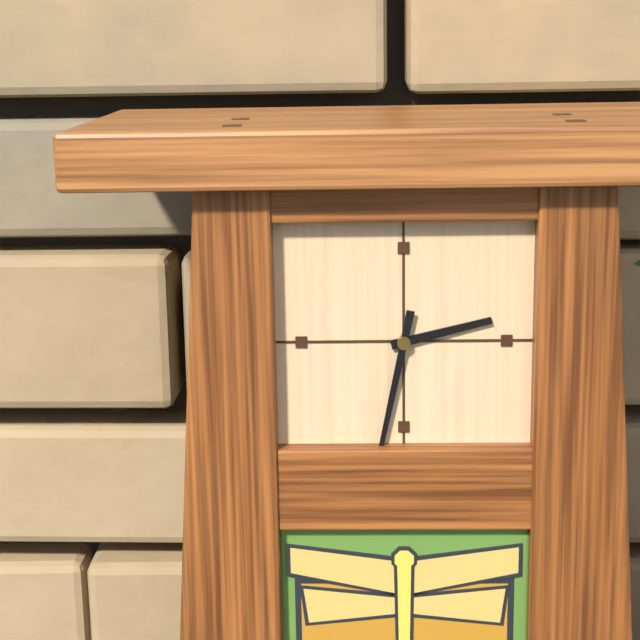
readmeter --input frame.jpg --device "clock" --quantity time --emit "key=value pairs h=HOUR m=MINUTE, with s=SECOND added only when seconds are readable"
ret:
h=2 m=32
